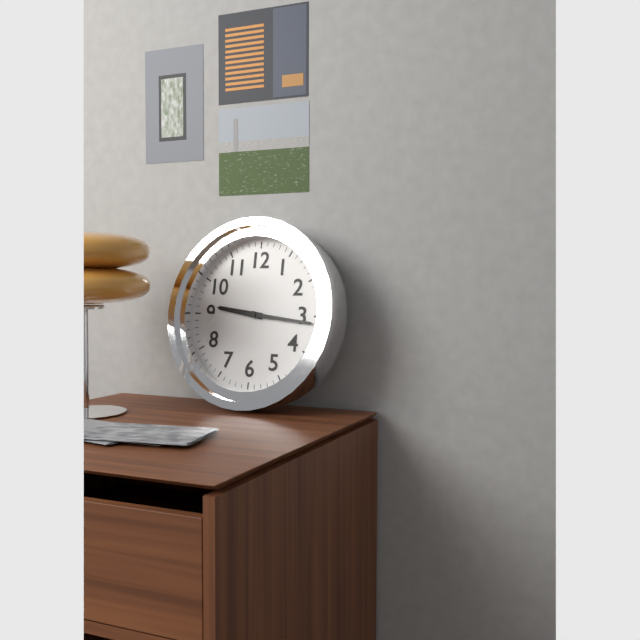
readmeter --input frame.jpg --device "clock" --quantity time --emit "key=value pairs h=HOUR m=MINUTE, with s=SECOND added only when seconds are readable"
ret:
h=9 m=16
